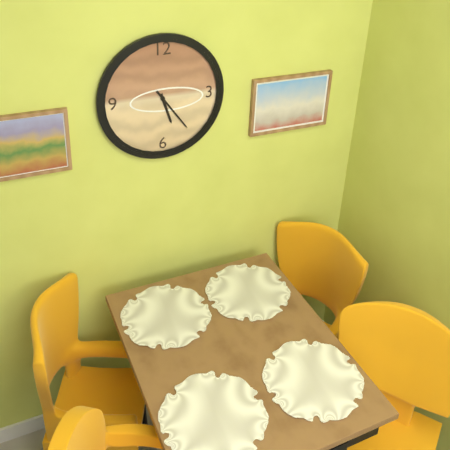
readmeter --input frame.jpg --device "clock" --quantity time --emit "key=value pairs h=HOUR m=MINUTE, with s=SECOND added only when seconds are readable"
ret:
h=5 m=24
